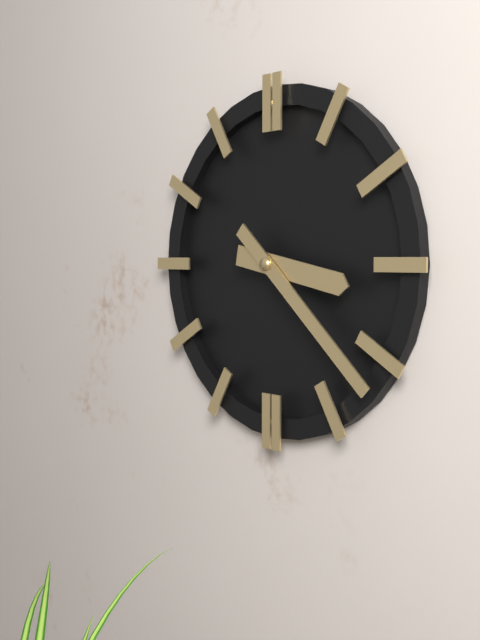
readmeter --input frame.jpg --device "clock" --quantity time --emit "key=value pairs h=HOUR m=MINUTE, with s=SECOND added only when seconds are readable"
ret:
h=3 m=22
